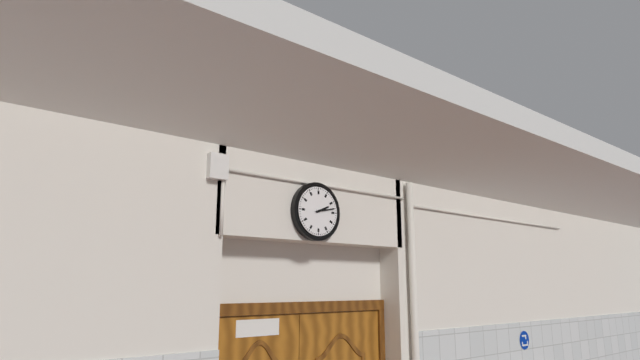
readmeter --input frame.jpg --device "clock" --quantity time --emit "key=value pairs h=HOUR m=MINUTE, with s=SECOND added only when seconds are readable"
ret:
h=2 m=13
